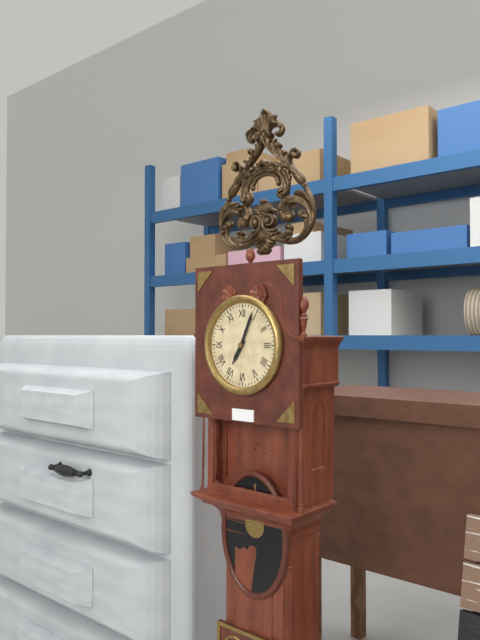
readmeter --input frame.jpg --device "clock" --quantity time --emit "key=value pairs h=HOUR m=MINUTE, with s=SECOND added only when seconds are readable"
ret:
h=7 m=4
